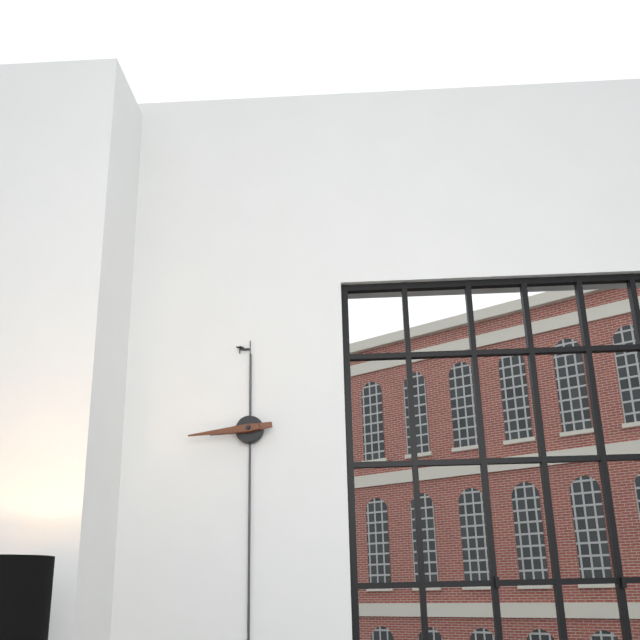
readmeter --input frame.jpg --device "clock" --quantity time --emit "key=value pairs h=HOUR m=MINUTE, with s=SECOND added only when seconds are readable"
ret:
h=8 m=44
